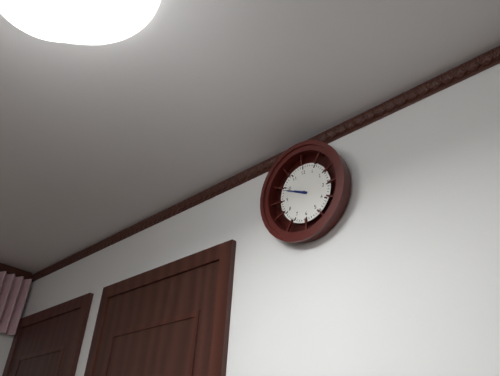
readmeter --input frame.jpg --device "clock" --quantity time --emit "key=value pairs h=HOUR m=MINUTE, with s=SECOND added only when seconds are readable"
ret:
h=9 m=49
